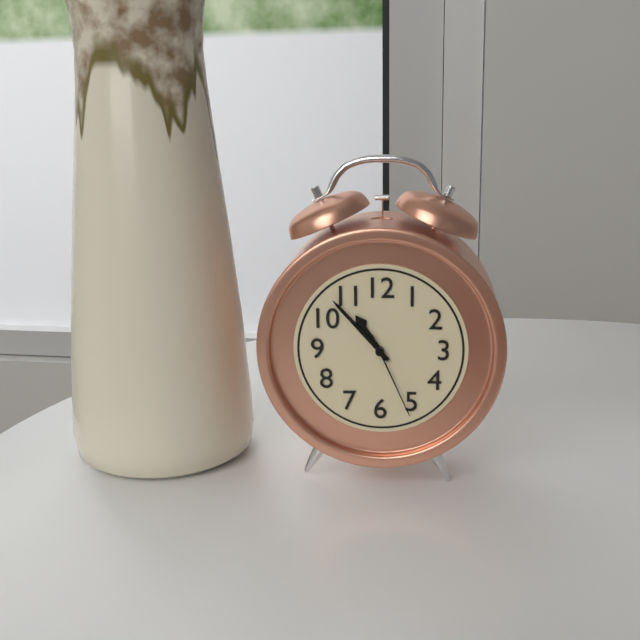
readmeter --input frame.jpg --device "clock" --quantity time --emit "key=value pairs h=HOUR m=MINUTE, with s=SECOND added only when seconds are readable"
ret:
h=10 m=53 s=26
